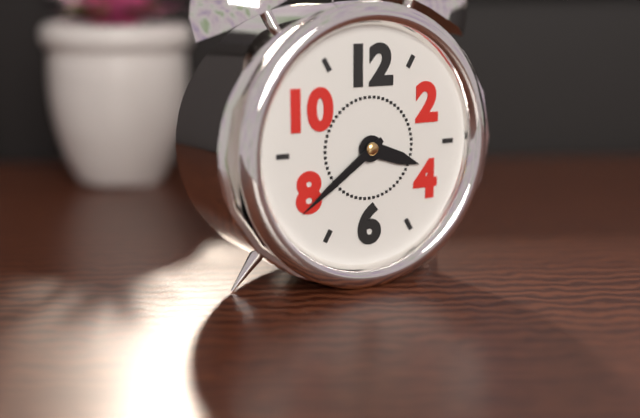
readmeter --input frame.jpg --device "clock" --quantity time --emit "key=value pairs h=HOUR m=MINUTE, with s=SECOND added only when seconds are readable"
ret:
h=3 m=39
